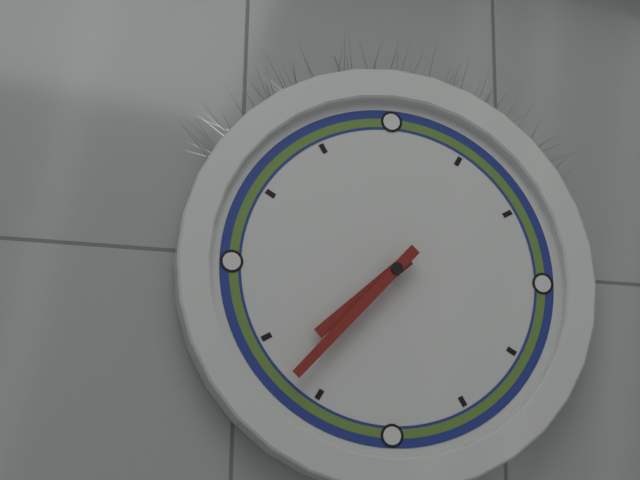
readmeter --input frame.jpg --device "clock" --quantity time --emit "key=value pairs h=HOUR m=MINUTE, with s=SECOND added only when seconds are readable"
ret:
h=7 m=37
